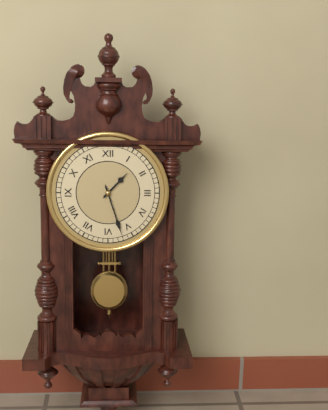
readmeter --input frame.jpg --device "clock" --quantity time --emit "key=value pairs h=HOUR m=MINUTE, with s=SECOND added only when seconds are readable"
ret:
h=1 m=27
